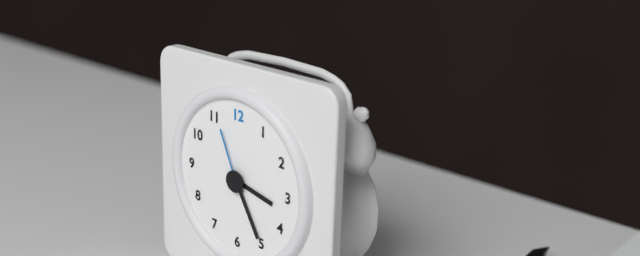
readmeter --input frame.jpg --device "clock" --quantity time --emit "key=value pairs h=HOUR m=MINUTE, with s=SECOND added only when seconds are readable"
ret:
h=3 m=25 s=56
